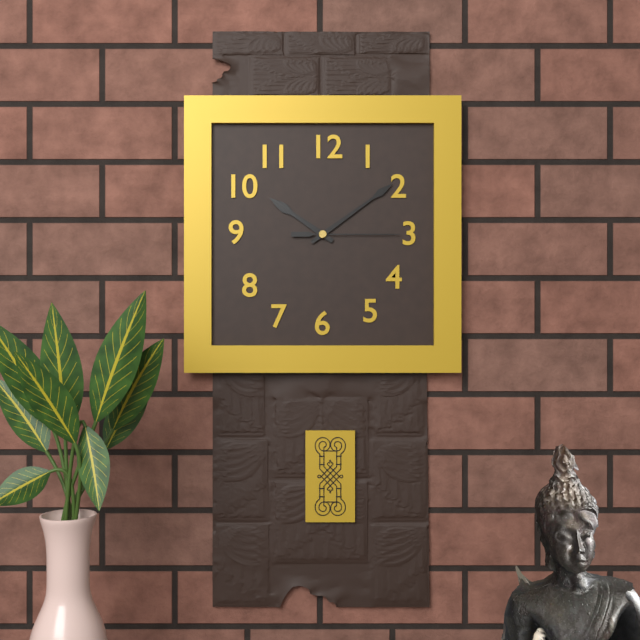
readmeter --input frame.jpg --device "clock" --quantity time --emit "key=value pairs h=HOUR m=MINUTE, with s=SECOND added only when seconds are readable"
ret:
h=10 m=9 s=15
